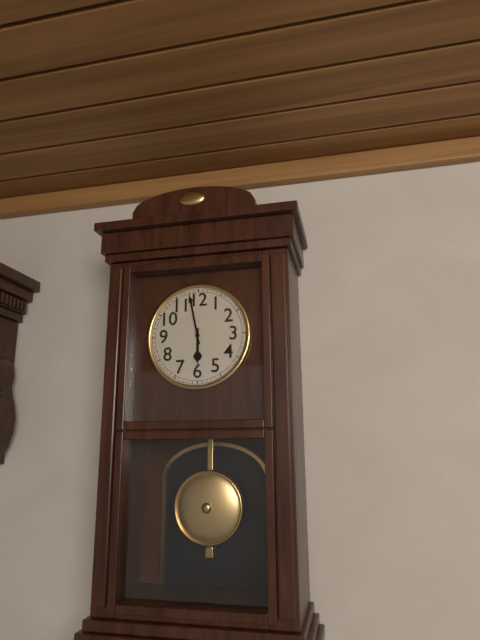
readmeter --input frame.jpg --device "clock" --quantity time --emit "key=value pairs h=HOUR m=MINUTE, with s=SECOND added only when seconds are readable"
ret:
h=5 m=58
